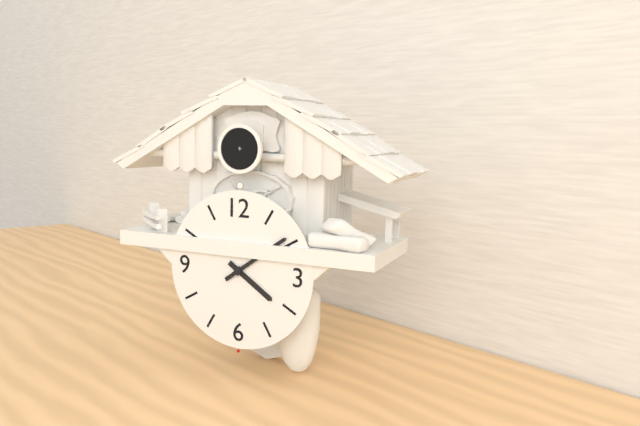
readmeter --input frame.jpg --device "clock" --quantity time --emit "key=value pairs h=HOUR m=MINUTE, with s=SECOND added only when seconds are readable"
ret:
h=4 m=9
